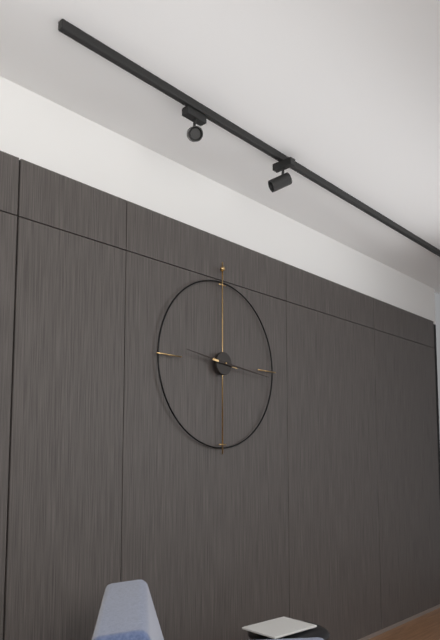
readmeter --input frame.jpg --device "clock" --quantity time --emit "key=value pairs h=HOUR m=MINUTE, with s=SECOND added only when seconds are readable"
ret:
h=9 m=16
